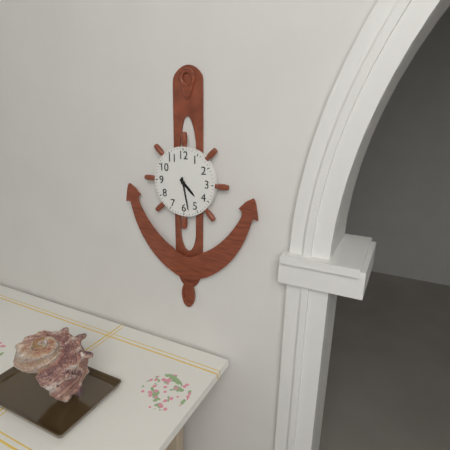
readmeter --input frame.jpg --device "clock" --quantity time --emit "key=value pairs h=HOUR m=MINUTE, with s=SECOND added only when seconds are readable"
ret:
h=4 m=28
